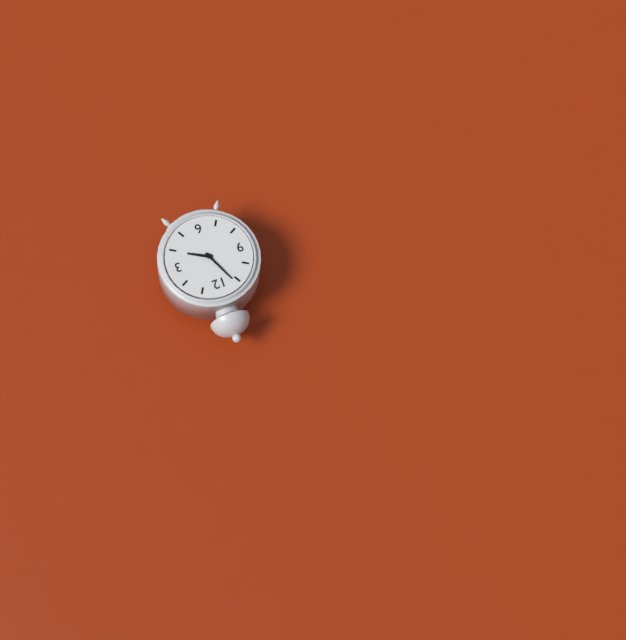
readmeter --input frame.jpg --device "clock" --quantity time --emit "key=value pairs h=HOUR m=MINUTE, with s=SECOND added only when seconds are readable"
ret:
h=3 m=56
